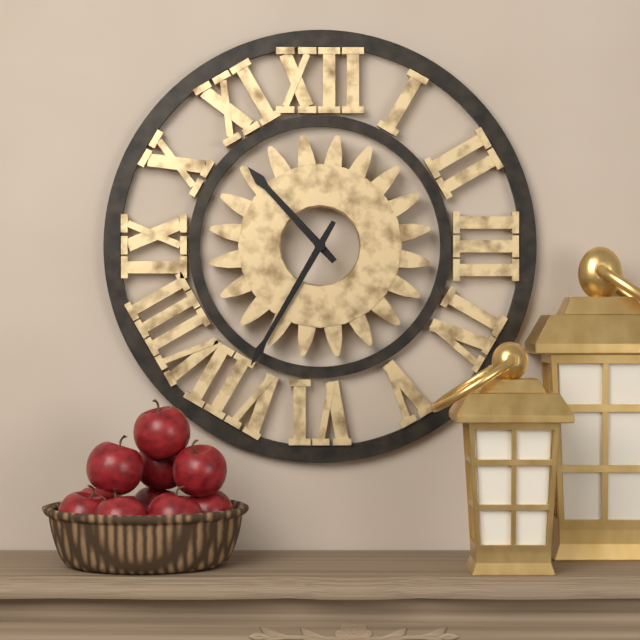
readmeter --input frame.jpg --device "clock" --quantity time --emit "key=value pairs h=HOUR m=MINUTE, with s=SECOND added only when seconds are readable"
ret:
h=10 m=35
